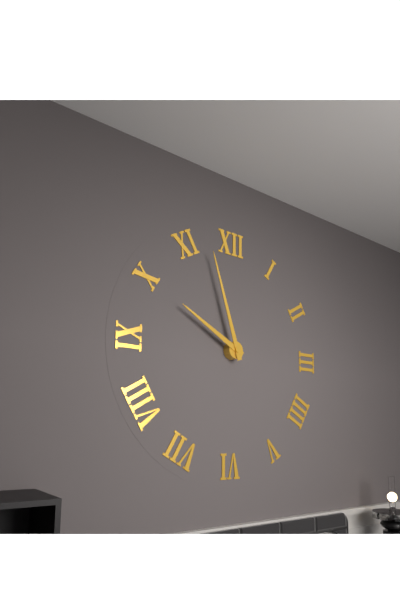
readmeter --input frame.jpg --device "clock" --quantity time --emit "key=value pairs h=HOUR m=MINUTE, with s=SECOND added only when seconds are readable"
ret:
h=9 m=57
